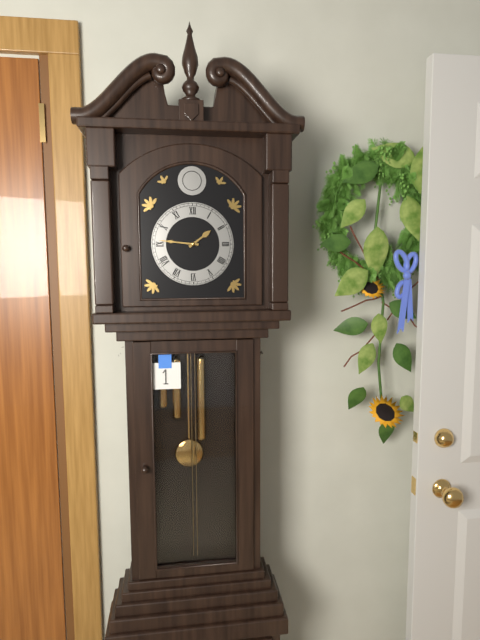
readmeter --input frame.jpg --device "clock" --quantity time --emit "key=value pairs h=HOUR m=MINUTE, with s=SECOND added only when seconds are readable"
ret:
h=1 m=46
